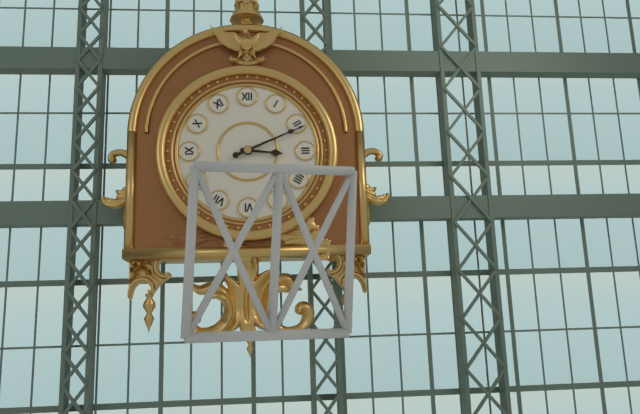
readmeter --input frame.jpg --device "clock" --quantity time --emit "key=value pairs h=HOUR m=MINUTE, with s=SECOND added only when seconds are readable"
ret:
h=3 m=11
